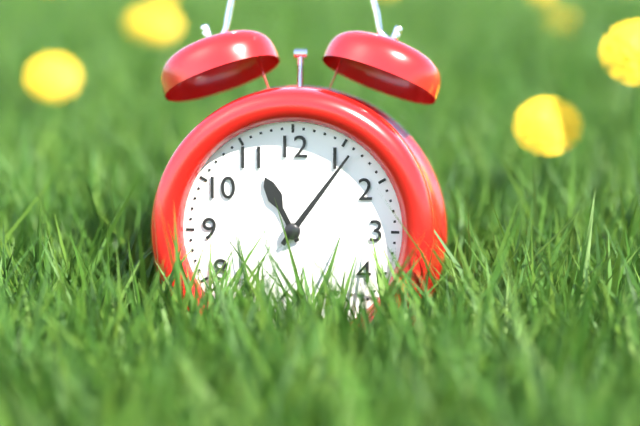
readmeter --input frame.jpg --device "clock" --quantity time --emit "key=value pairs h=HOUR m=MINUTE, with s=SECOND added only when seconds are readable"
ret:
h=11 m=6
